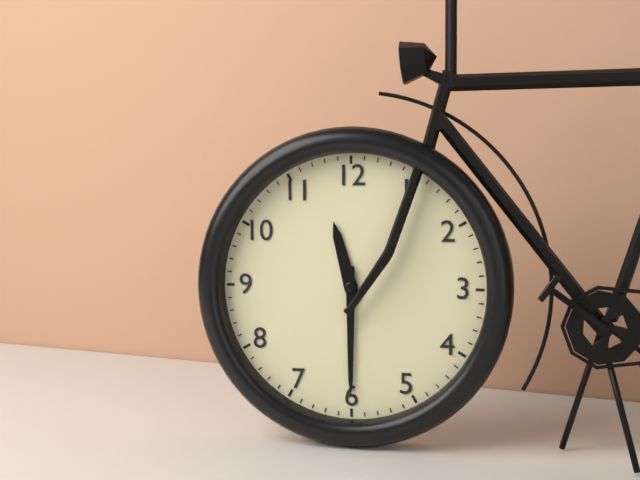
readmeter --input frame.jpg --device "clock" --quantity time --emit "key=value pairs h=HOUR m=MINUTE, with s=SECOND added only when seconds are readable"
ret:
h=11 m=30
